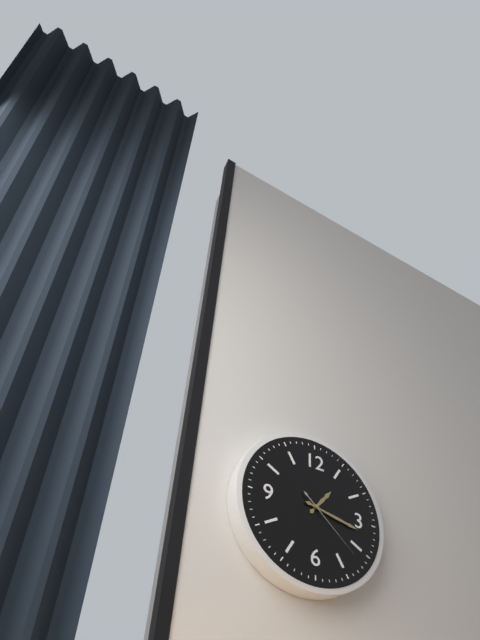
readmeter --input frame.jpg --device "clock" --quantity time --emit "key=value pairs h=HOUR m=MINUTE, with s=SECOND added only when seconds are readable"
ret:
h=1 m=17 s=22
